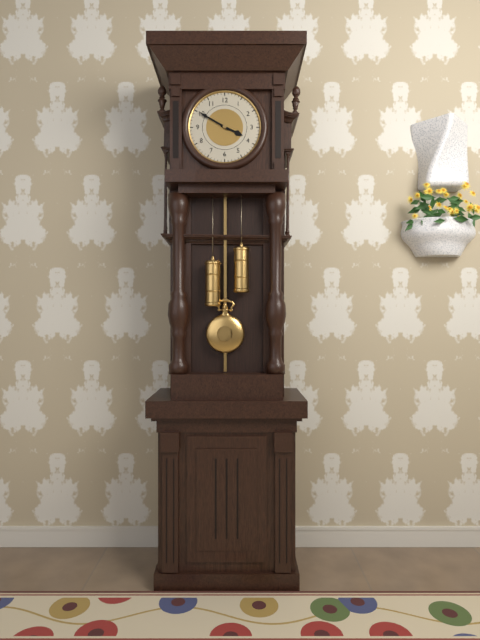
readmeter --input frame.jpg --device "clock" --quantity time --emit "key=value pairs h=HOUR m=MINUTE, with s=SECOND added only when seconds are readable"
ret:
h=3 m=50
